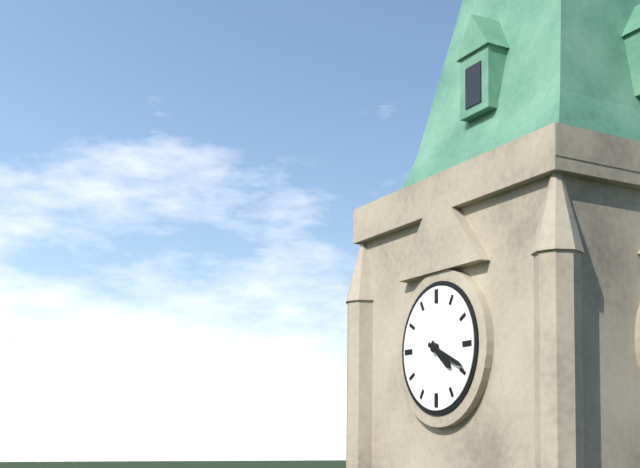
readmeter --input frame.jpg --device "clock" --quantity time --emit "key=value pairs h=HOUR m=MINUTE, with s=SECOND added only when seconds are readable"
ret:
h=4 m=19
